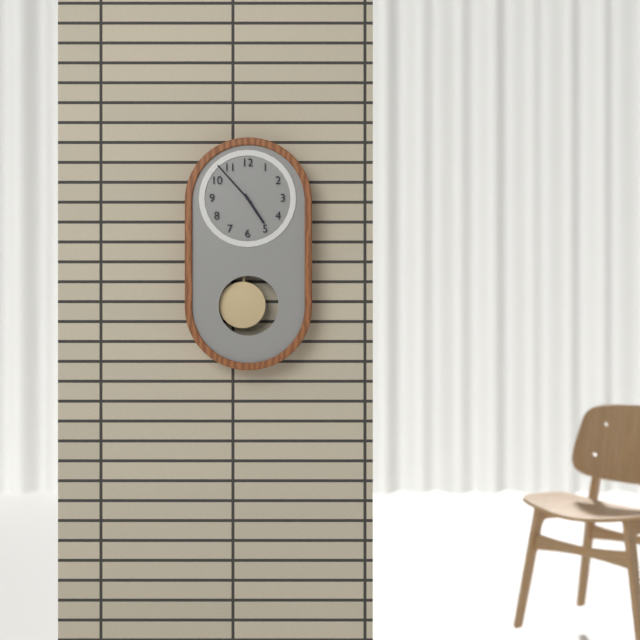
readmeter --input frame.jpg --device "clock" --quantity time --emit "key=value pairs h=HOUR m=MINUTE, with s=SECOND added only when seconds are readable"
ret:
h=4 m=53
